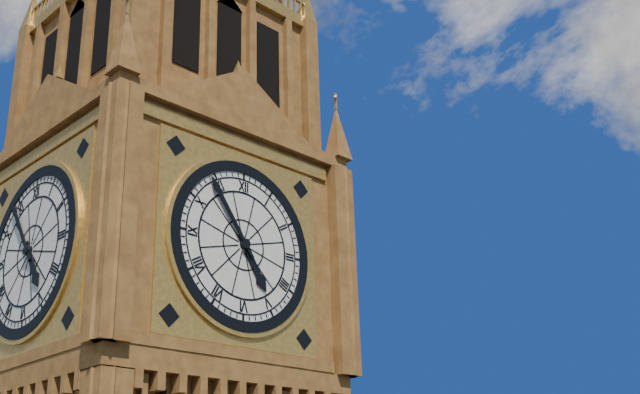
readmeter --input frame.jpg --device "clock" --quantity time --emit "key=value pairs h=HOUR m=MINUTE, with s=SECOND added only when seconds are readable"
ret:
h=4 m=54
